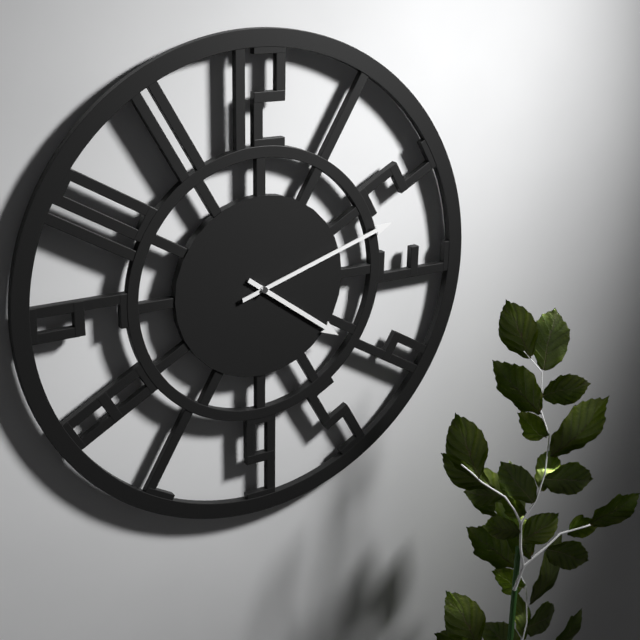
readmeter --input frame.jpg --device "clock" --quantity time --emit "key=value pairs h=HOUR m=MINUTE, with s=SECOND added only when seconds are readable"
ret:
h=4 m=12
